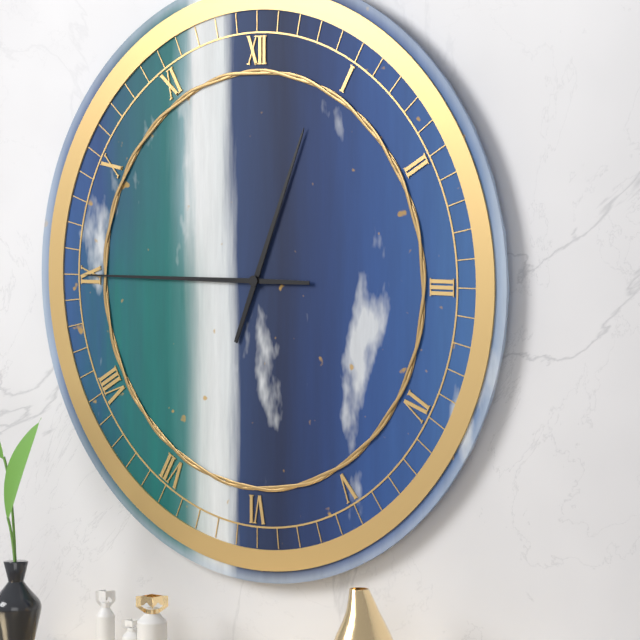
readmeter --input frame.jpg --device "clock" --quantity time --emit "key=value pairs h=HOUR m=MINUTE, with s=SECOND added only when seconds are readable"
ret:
h=12 m=45
